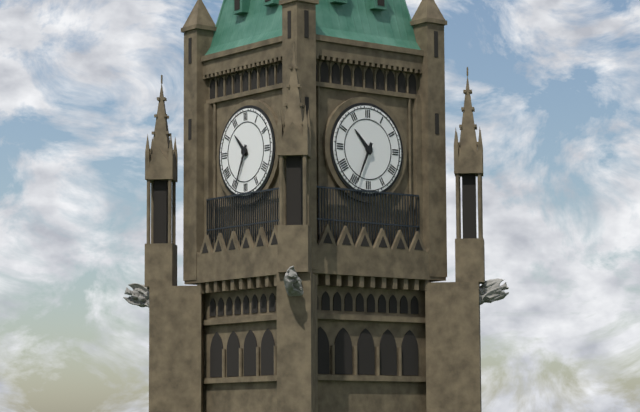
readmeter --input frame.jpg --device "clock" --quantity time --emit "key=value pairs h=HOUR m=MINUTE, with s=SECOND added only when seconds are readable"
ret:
h=10 m=34
